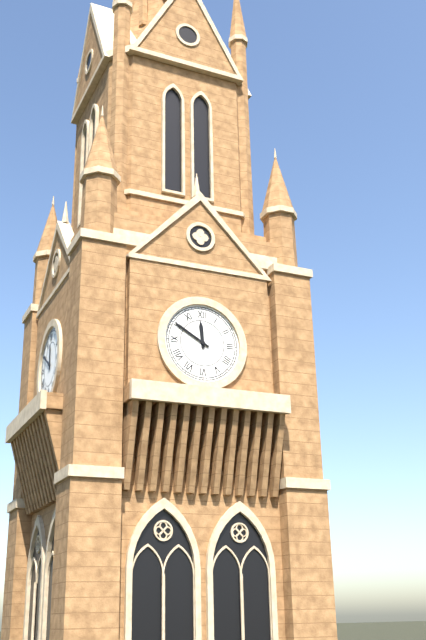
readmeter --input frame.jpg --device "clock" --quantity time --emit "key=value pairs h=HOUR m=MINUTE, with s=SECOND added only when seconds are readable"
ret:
h=11 m=50
